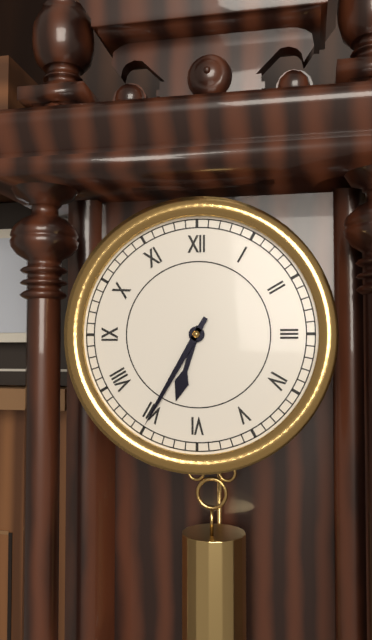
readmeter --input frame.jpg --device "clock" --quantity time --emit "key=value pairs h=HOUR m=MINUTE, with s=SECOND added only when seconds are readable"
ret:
h=6 m=35
